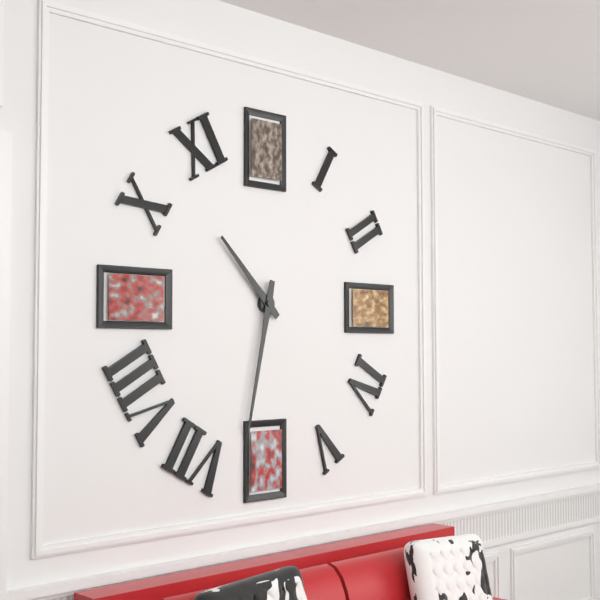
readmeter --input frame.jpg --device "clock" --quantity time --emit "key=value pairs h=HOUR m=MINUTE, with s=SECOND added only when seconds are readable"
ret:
h=10 m=32
